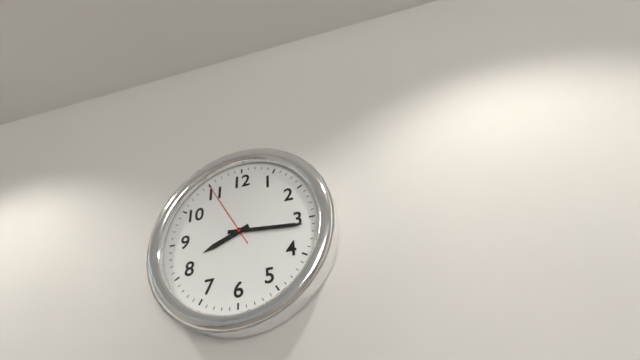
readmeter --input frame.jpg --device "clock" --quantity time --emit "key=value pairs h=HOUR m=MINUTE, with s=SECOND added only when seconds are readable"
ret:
h=8 m=16 s=55
